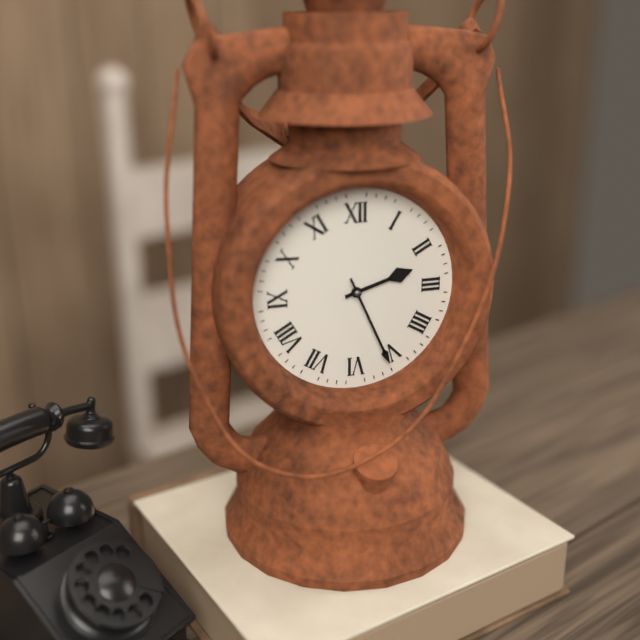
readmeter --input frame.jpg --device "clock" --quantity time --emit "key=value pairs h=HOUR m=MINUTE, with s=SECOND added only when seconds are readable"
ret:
h=2 m=26
